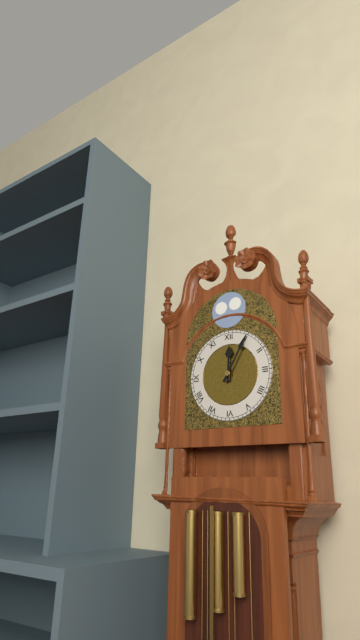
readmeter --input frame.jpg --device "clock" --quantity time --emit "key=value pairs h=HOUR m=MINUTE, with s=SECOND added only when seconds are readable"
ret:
h=12 m=5
